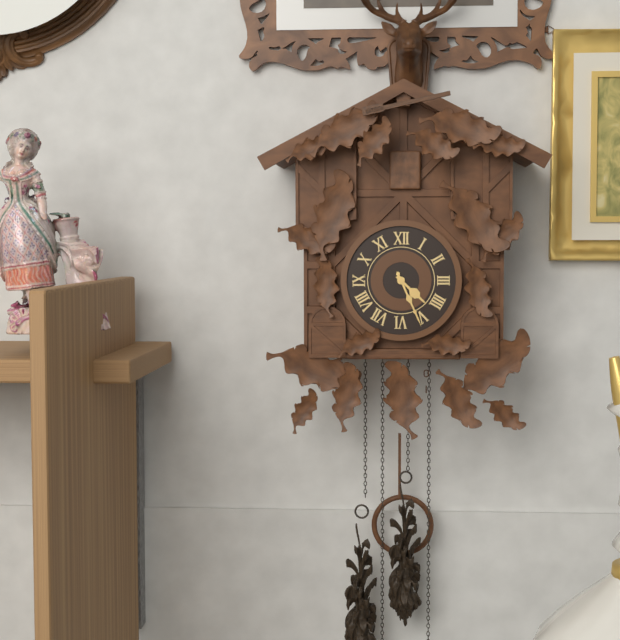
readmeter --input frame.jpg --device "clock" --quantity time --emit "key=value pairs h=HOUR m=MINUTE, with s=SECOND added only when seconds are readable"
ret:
h=4 m=26
